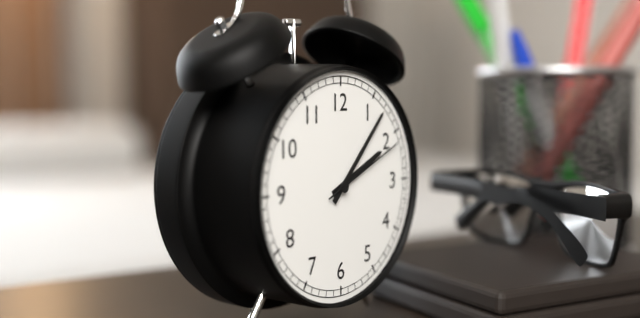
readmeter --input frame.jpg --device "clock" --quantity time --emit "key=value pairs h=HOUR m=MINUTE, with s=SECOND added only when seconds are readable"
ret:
h=2 m=7 s=11
